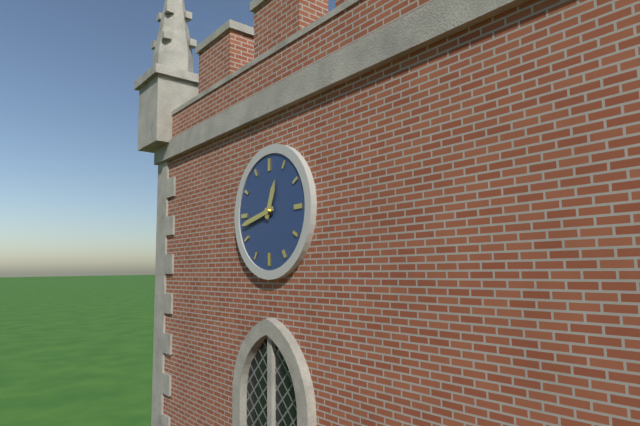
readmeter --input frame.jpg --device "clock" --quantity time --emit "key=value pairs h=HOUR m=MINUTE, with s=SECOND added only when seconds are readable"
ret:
h=12 m=43
